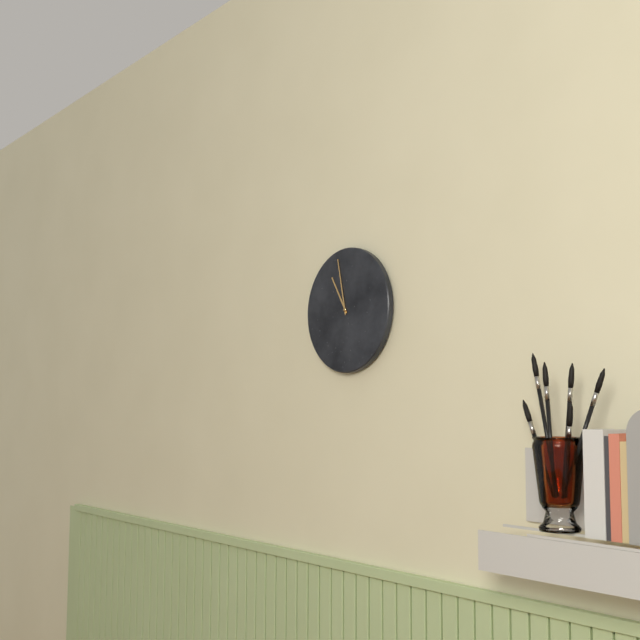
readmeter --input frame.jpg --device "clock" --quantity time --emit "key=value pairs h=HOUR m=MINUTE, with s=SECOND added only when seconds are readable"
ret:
h=10 m=58
